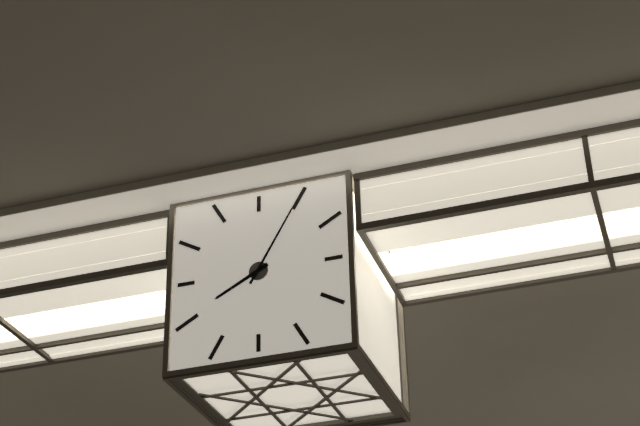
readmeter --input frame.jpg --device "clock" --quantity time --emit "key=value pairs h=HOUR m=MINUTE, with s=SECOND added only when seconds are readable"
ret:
h=8 m=5
